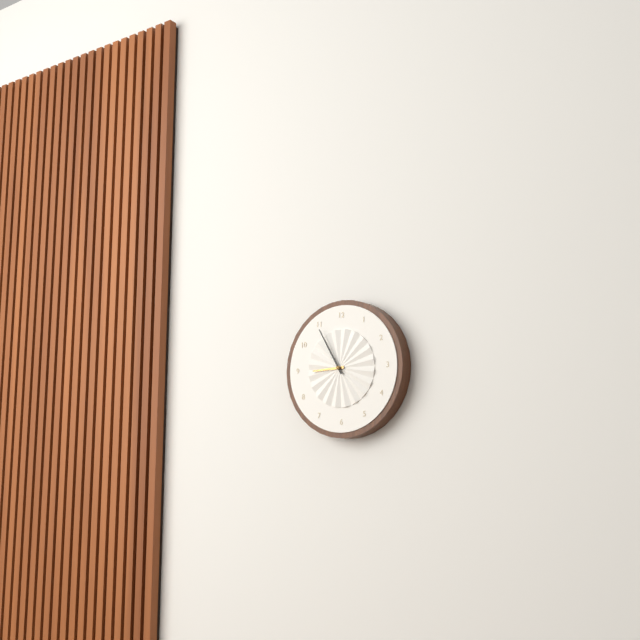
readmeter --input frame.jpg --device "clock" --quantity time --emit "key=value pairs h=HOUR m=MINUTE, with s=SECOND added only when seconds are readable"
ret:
h=8 m=55
